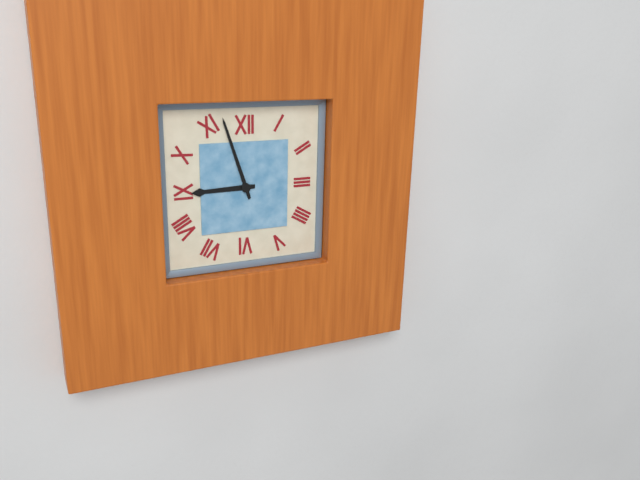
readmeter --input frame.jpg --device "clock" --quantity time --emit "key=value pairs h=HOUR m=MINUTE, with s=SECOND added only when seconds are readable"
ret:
h=8 m=57
